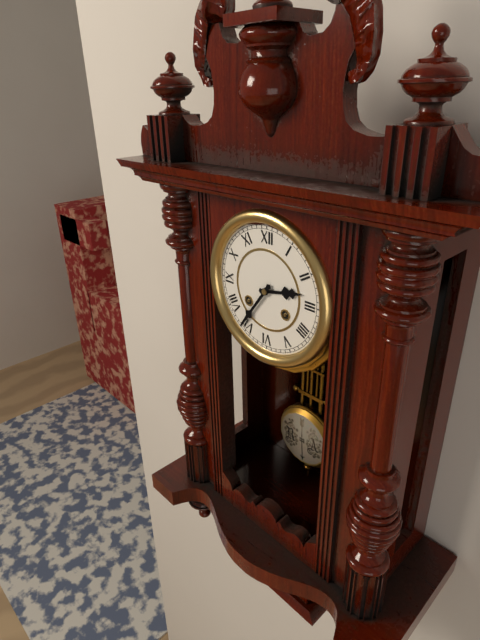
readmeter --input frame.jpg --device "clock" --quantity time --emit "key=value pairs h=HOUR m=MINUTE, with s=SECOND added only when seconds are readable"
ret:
h=2 m=36
